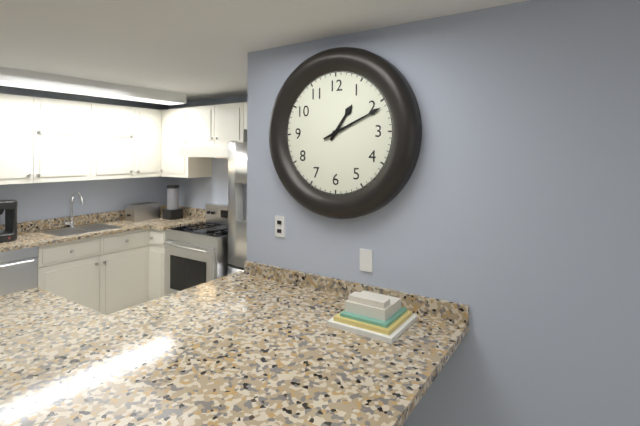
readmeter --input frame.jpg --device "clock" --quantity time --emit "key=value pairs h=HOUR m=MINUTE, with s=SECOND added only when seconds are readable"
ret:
h=1 m=11
